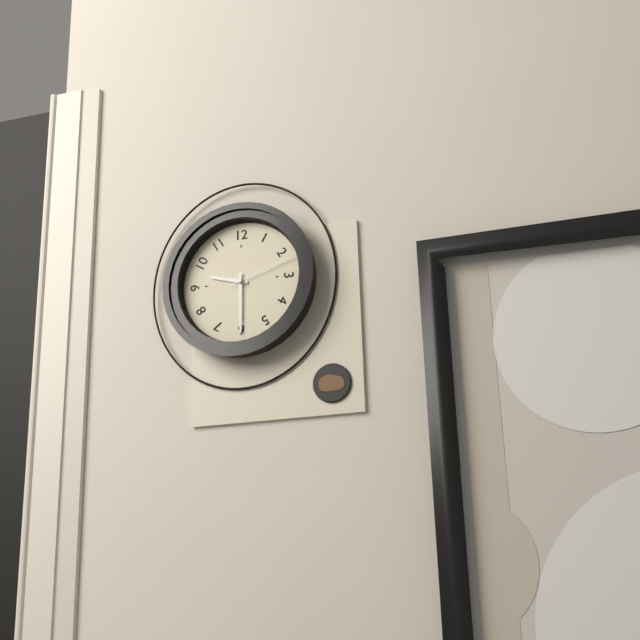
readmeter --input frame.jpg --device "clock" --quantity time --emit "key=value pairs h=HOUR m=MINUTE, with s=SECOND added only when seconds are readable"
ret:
h=9 m=30 s=12
